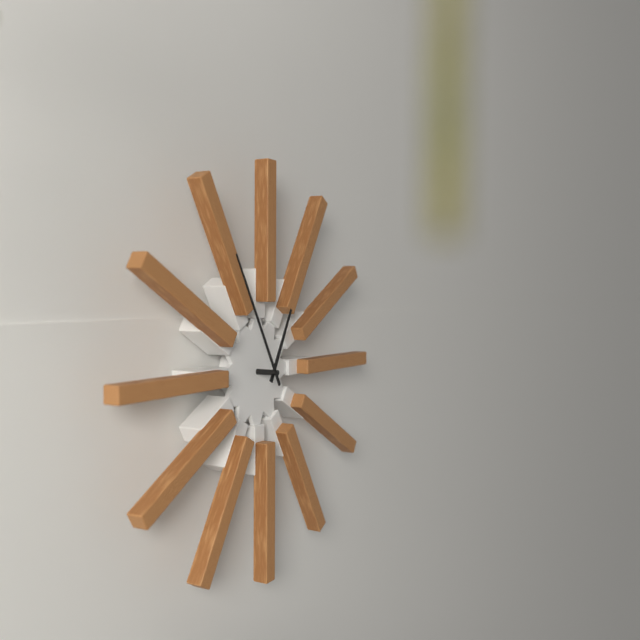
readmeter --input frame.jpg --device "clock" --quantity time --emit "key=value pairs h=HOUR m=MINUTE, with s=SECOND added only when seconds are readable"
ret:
h=12 m=55
